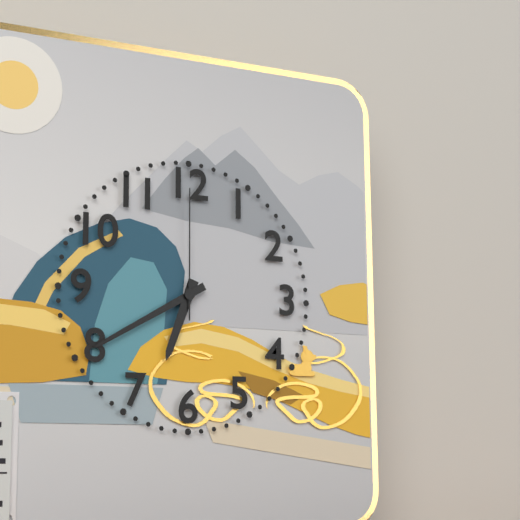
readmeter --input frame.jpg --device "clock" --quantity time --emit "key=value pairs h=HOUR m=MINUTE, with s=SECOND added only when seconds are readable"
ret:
h=6 m=40 s=0
